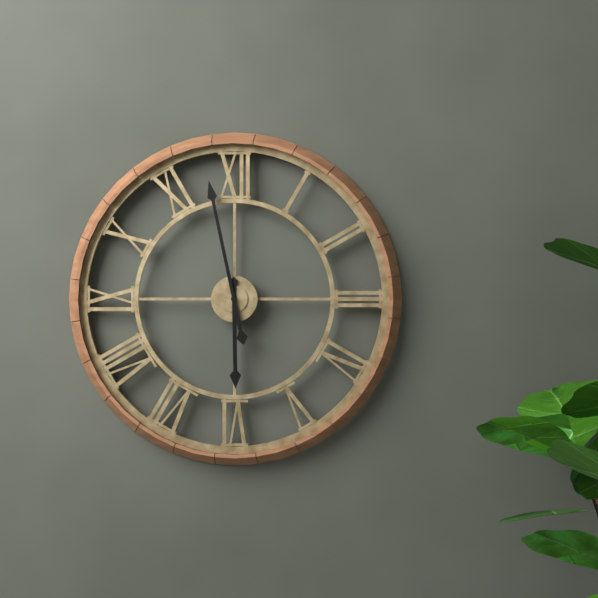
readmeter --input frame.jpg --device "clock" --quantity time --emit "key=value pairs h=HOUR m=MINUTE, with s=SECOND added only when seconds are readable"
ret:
h=5 m=58
